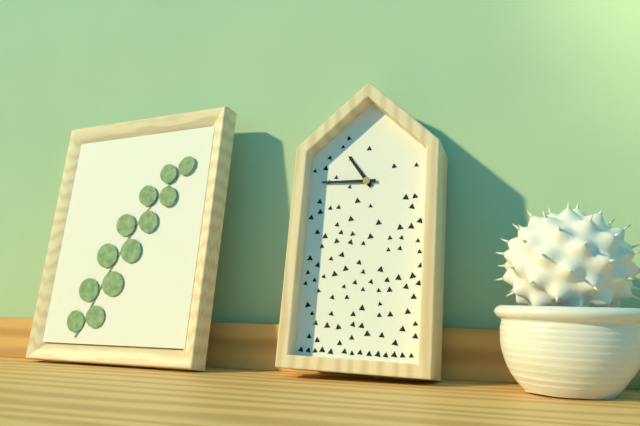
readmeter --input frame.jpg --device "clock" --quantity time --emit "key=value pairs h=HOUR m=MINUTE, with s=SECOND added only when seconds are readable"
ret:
h=10 m=45
